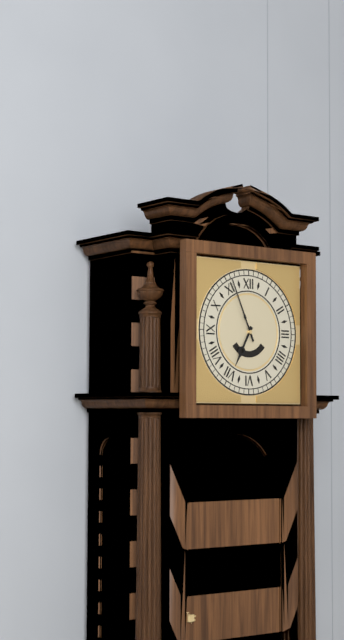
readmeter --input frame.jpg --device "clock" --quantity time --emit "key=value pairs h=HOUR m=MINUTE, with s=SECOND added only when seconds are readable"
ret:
h=6 m=56
